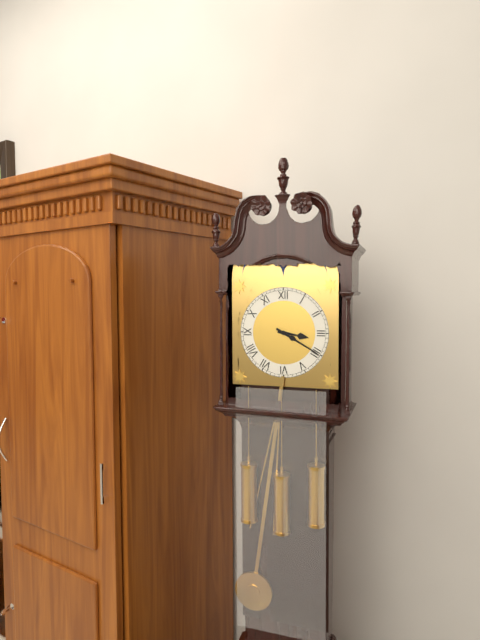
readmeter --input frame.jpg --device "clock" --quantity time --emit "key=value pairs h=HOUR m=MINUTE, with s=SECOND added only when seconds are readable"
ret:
h=3 m=20
